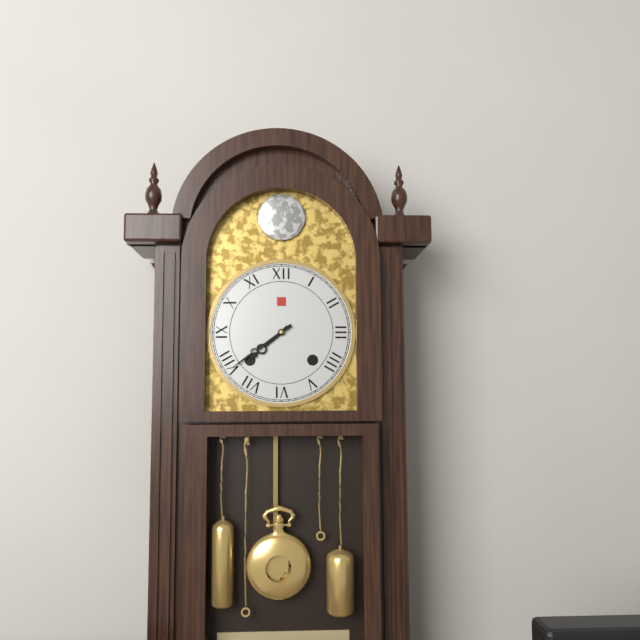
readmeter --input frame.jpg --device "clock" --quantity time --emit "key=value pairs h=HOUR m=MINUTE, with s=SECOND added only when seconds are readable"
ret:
h=7 m=39
